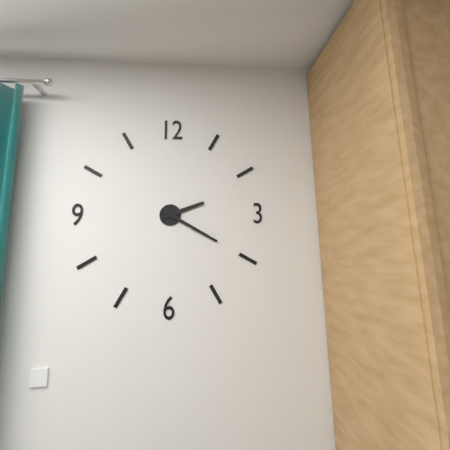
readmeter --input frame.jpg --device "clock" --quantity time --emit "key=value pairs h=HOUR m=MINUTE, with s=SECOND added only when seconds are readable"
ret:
h=2 m=20
